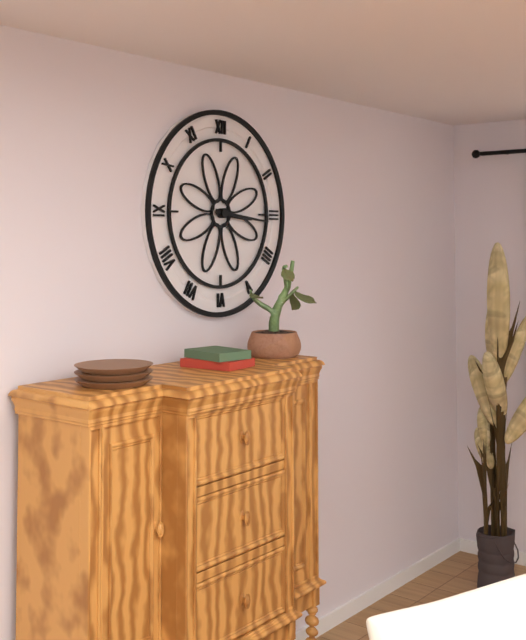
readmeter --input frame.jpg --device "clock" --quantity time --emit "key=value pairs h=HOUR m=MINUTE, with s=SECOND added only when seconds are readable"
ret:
h=3 m=16
